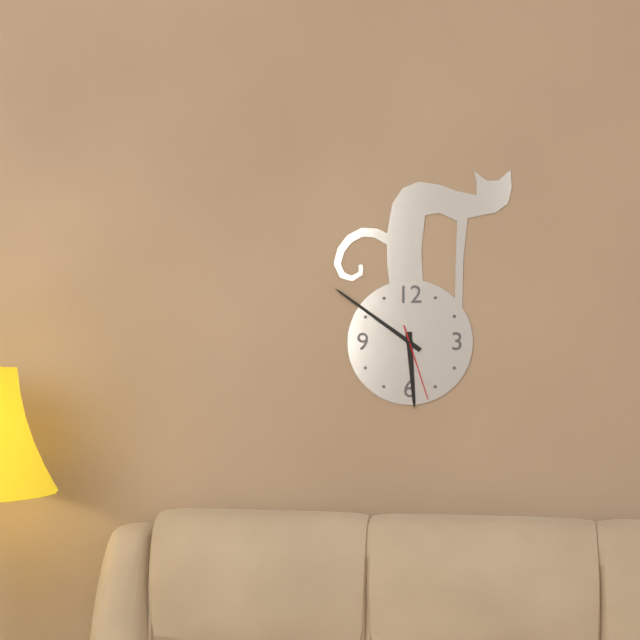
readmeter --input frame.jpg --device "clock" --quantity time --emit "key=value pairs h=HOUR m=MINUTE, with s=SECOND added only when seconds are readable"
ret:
h=5 m=51 s=27
